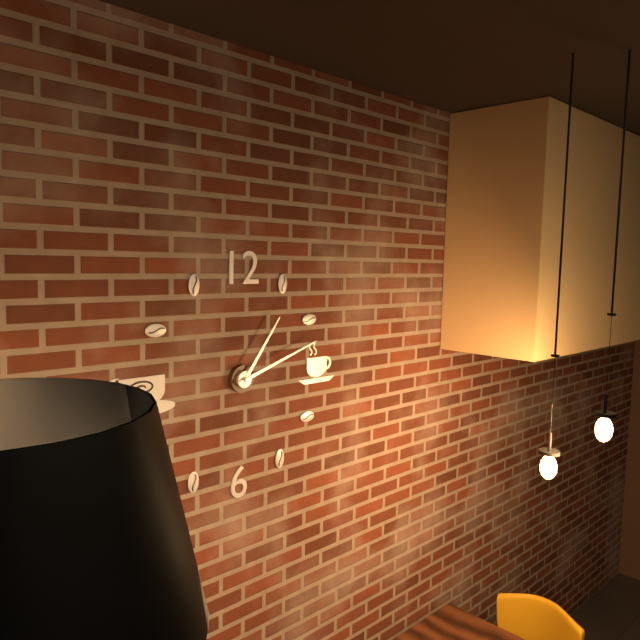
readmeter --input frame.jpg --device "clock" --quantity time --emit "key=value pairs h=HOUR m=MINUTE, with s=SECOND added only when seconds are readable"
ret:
h=1 m=12
